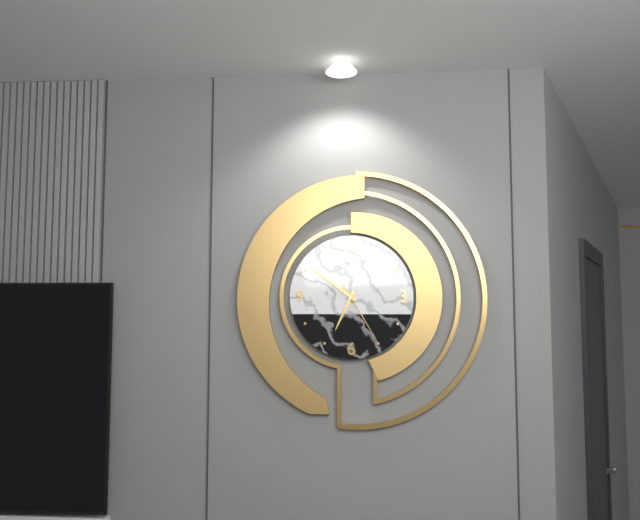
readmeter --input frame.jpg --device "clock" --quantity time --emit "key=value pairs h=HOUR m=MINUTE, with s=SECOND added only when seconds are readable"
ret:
h=6 m=51 s=25
